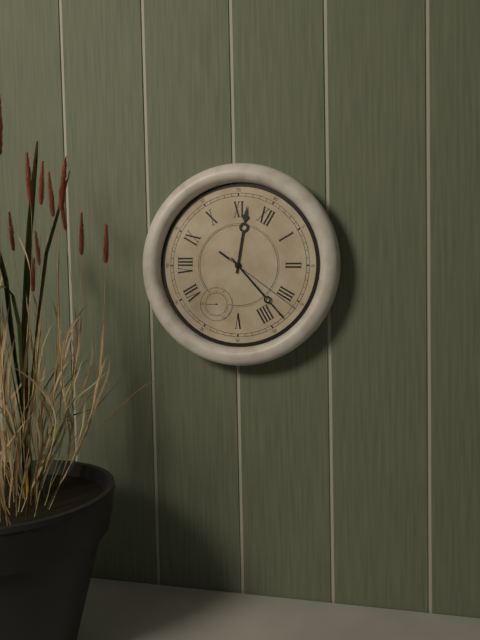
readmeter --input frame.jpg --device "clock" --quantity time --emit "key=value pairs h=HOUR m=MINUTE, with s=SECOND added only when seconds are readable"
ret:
h=11 m=18 s=16
